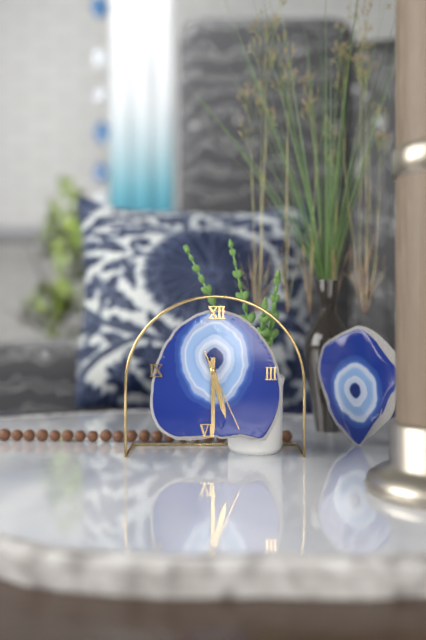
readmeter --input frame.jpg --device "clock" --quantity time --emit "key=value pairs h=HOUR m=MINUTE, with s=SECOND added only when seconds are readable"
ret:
h=5 m=30 s=26
